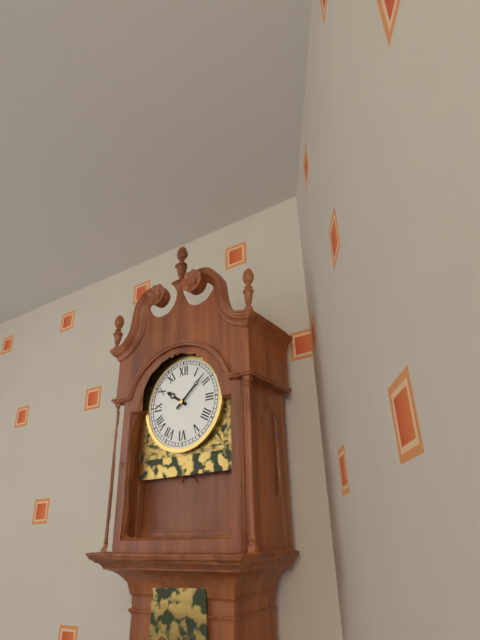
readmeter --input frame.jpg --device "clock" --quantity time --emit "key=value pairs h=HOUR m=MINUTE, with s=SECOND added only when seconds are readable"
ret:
h=10 m=8
